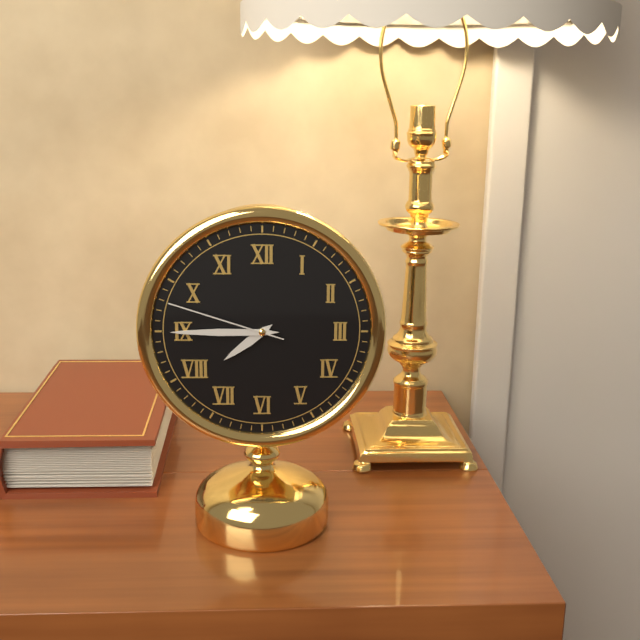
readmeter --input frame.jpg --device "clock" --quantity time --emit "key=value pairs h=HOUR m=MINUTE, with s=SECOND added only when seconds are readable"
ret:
h=7 m=45 s=48
